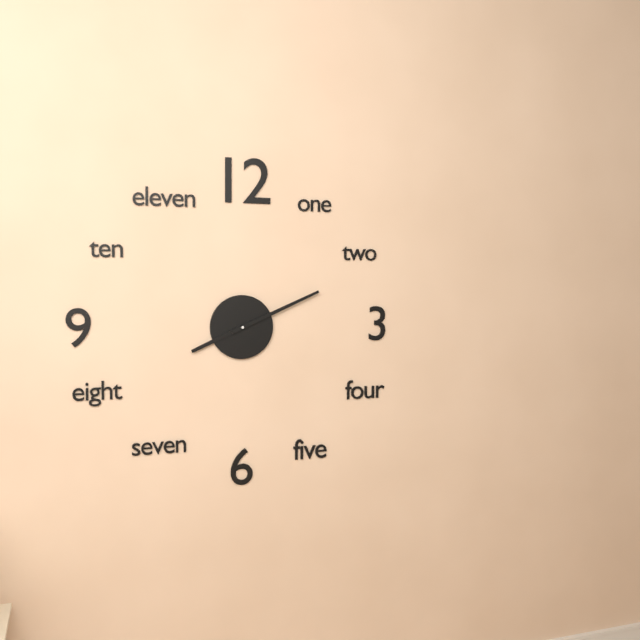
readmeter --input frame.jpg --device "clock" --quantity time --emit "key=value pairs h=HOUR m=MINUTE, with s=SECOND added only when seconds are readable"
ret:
h=8 m=11
